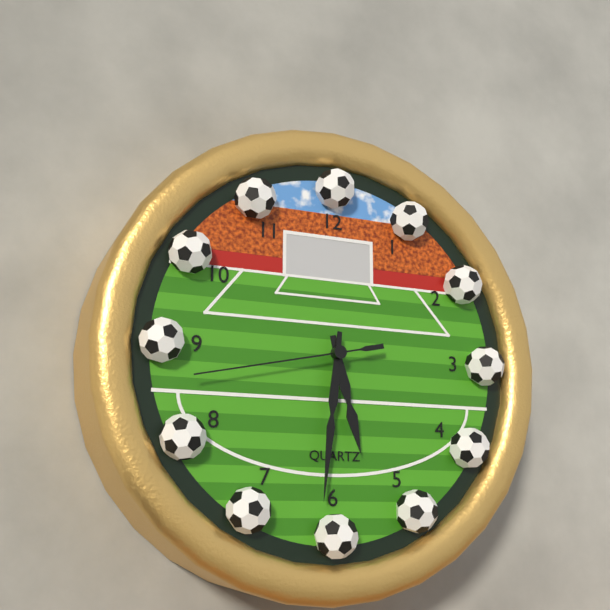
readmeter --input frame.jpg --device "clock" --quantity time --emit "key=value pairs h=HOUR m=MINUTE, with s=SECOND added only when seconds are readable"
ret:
h=5 m=31 s=43
